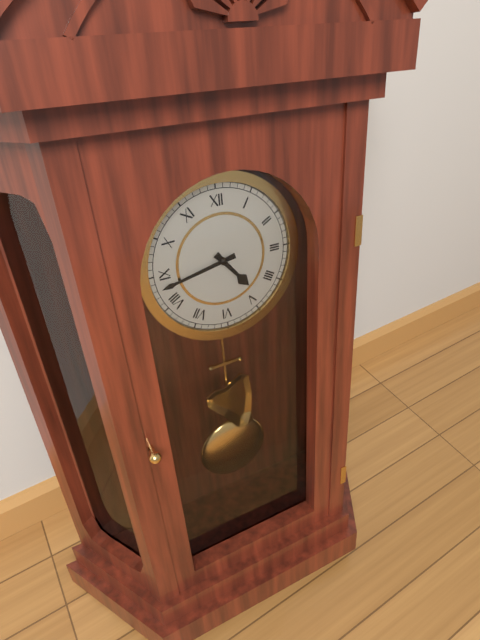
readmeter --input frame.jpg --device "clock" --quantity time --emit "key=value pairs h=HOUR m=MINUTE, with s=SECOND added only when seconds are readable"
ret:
h=4 m=43
